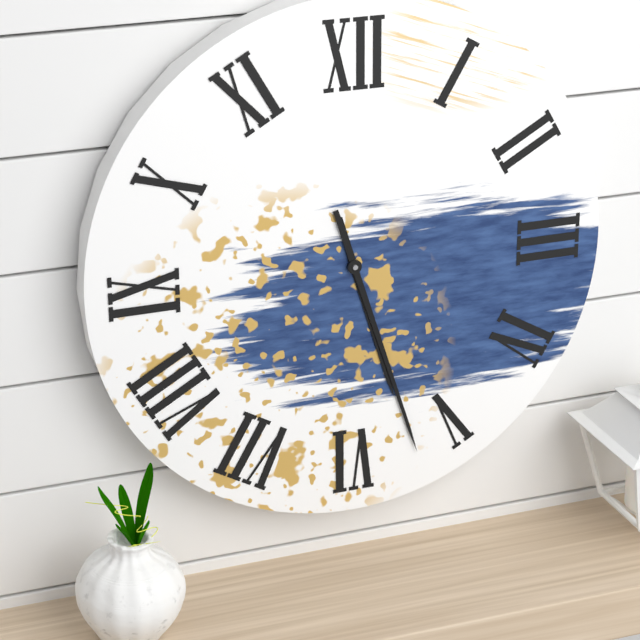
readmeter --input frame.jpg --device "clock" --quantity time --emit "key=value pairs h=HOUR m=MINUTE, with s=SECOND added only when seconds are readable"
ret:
h=5 m=27
